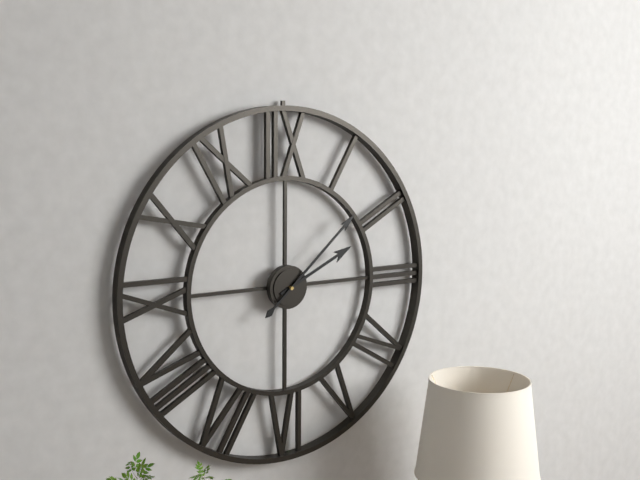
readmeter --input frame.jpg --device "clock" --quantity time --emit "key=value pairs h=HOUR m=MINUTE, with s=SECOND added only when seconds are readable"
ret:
h=2 m=8
